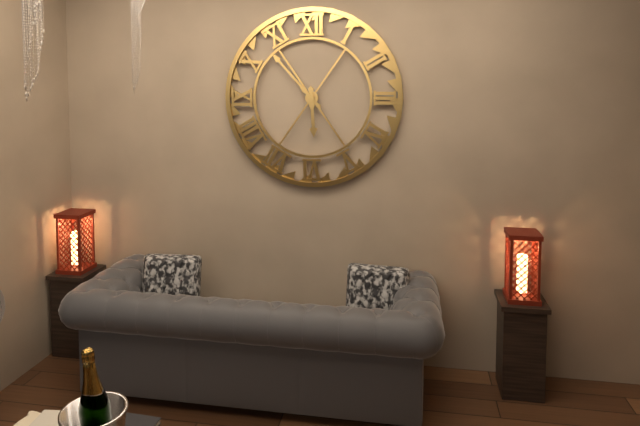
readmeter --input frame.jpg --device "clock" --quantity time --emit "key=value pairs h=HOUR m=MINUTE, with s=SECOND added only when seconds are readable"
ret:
h=5 m=53
